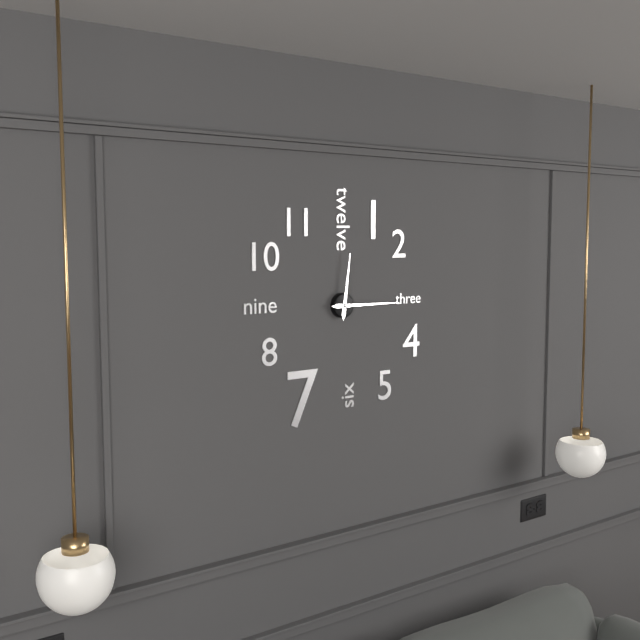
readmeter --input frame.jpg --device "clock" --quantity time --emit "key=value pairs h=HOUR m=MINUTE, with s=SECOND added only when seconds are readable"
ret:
h=12 m=15
